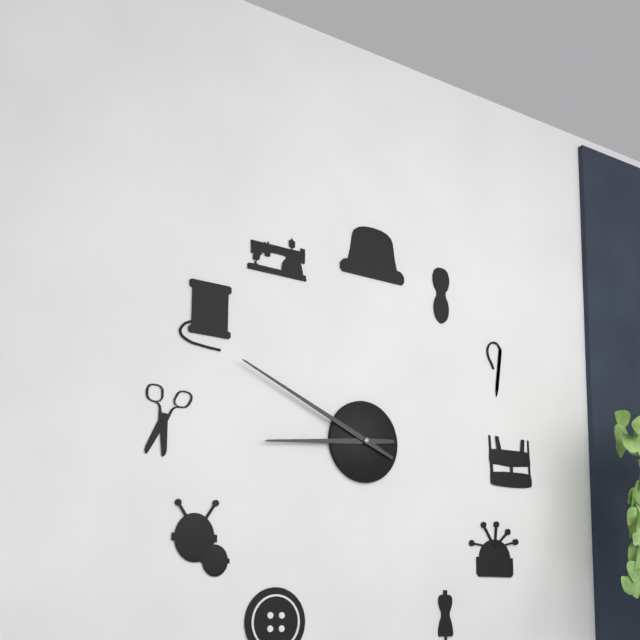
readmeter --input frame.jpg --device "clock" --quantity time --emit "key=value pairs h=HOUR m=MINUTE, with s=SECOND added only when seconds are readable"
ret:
h=8 m=49
